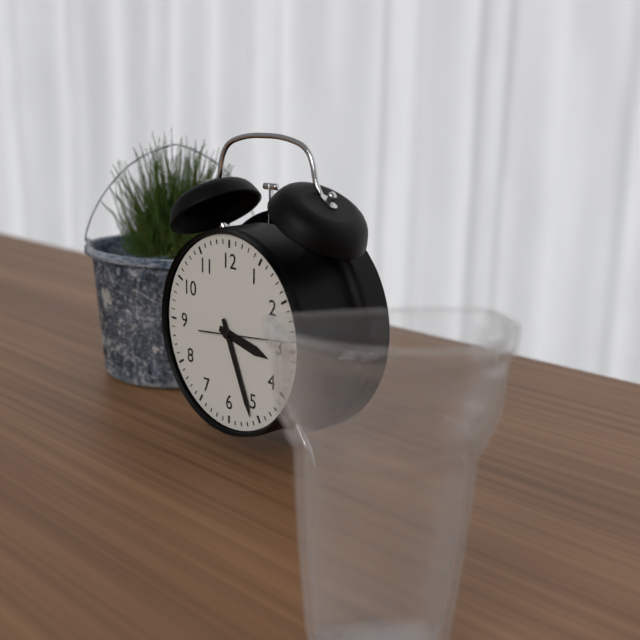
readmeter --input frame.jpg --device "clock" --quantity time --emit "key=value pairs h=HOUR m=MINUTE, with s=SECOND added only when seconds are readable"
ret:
h=3 m=26
